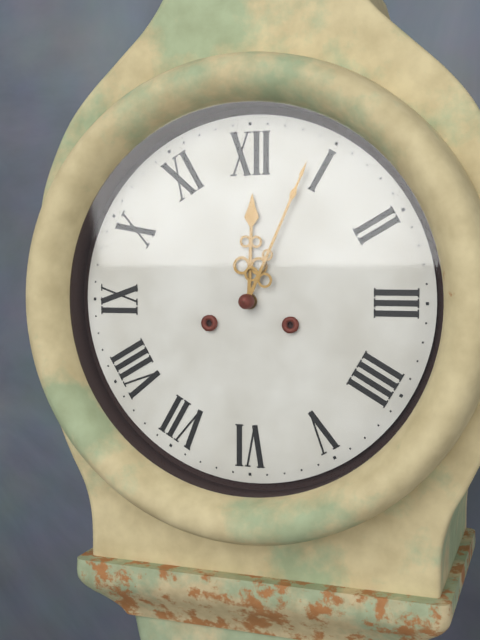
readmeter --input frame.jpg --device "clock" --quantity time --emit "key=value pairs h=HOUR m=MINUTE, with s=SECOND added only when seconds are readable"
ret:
h=12 m=4
